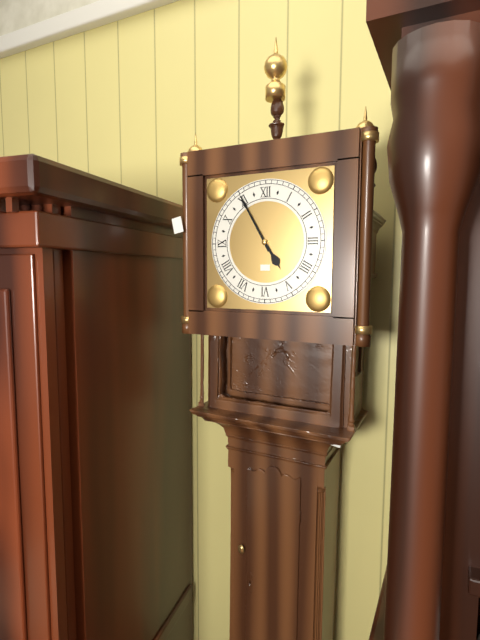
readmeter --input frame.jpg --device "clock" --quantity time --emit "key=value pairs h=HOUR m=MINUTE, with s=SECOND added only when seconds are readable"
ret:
h=4 m=55
